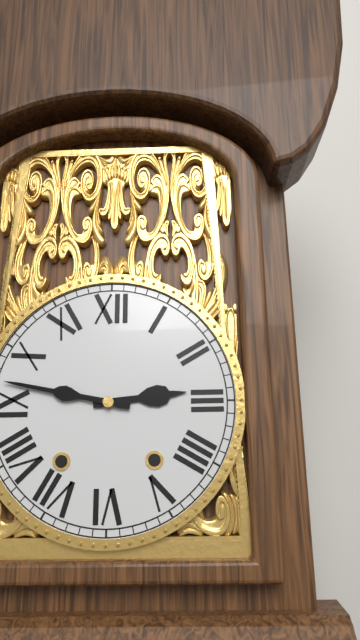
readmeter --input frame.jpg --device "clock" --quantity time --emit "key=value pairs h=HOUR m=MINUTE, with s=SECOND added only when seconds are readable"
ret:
h=2 m=47
